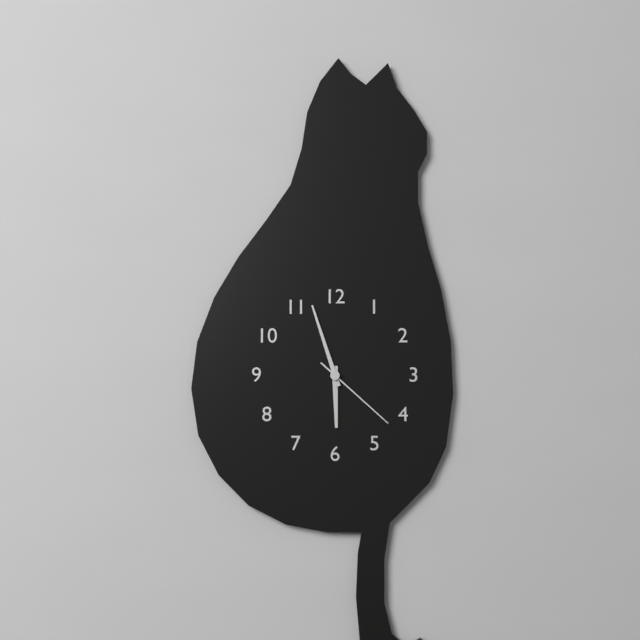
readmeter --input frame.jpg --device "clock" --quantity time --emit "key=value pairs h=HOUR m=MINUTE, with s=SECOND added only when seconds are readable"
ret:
h=5 m=57 s=22
